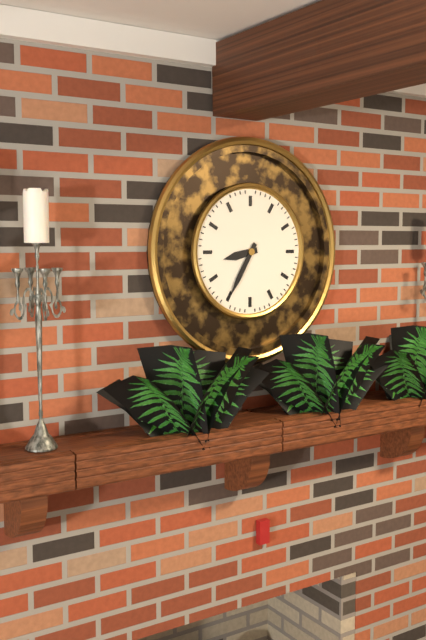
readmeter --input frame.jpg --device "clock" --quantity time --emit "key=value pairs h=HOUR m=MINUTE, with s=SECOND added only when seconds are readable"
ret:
h=8 m=35
